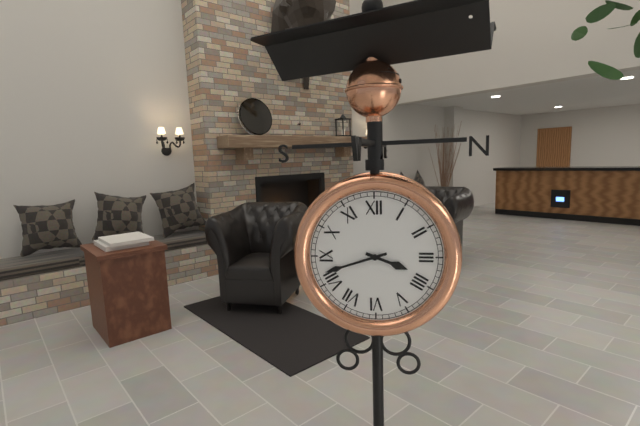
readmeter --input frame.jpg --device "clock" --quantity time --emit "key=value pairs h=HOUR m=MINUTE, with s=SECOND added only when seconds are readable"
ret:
h=3 m=42
